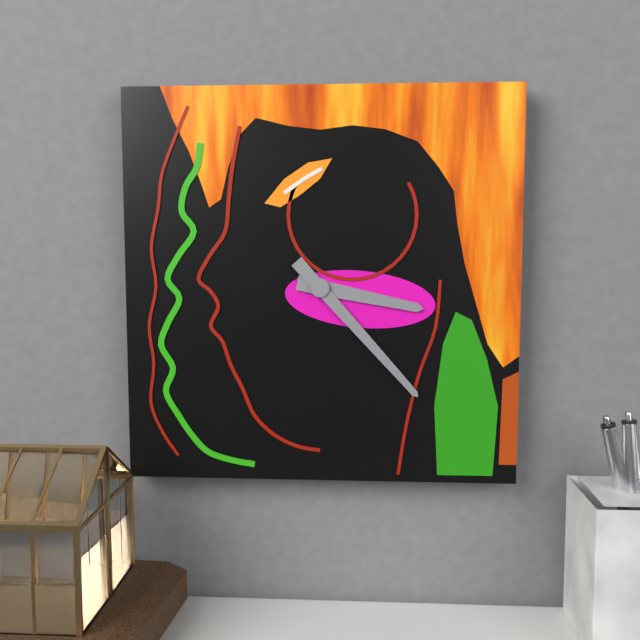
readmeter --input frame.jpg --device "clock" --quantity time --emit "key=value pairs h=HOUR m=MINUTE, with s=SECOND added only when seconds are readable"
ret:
h=3 m=23
